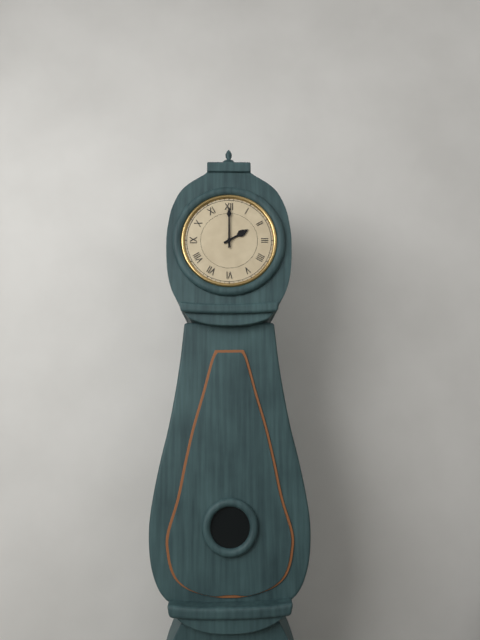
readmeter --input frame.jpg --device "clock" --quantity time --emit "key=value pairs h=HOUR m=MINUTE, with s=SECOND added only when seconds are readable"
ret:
h=2 m=0
